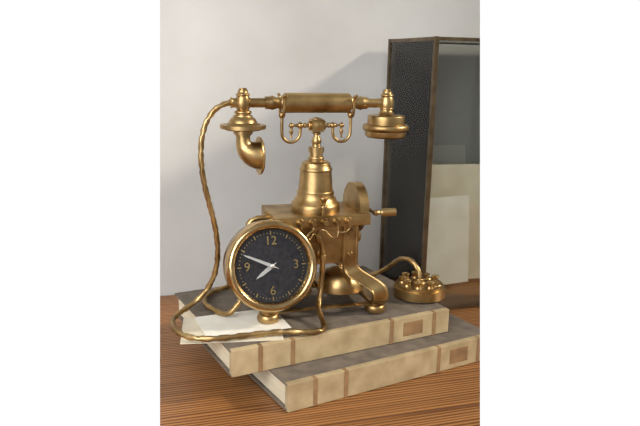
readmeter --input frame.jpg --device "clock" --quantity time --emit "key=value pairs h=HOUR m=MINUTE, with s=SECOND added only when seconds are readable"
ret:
h=7 m=49
